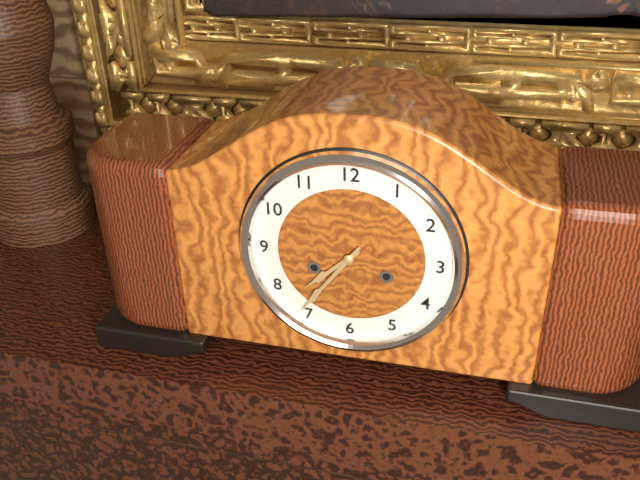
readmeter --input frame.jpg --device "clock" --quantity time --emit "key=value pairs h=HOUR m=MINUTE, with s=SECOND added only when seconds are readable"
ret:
h=7 m=36
